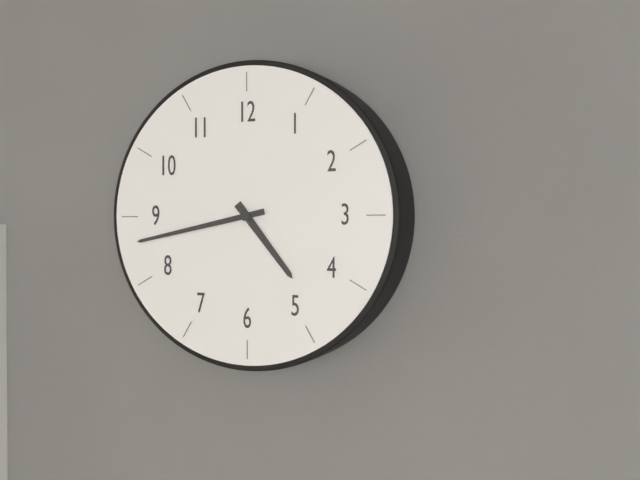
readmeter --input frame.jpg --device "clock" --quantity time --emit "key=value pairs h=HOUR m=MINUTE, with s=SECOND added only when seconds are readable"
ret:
h=4 m=43
